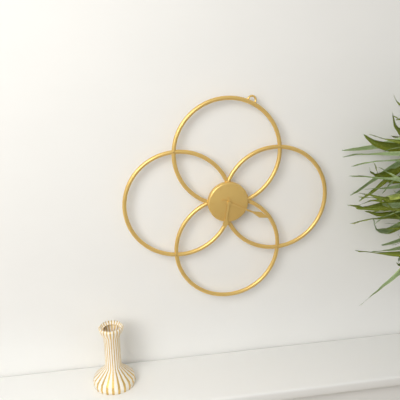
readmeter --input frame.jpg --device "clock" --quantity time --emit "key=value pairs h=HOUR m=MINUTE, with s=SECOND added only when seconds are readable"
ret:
h=6 m=19
